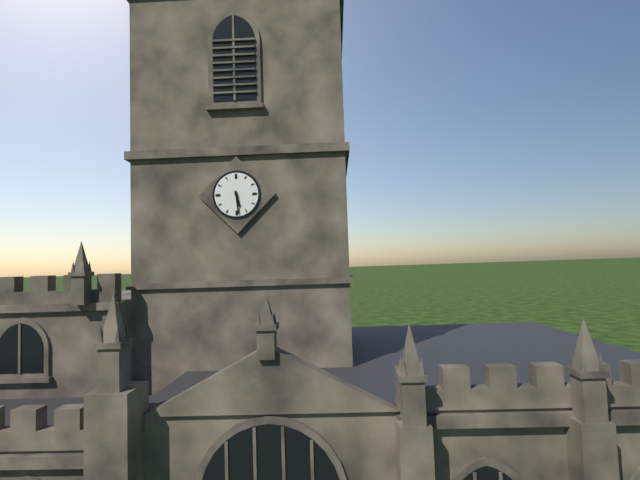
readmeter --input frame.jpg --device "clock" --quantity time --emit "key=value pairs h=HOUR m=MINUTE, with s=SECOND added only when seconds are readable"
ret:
h=5 m=29
